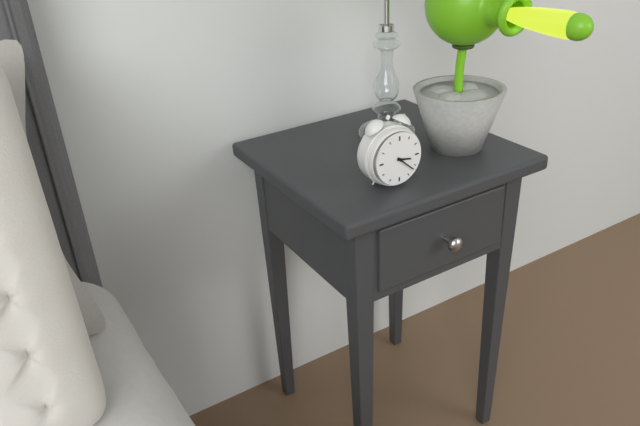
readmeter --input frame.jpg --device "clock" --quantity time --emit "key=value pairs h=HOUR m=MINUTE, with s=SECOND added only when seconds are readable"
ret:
h=3 m=22
